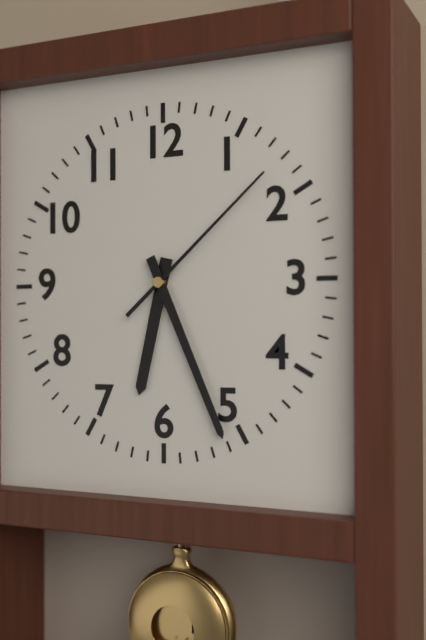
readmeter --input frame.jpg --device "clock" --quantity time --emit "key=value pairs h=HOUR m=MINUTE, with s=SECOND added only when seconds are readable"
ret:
h=6 m=26 s=8
